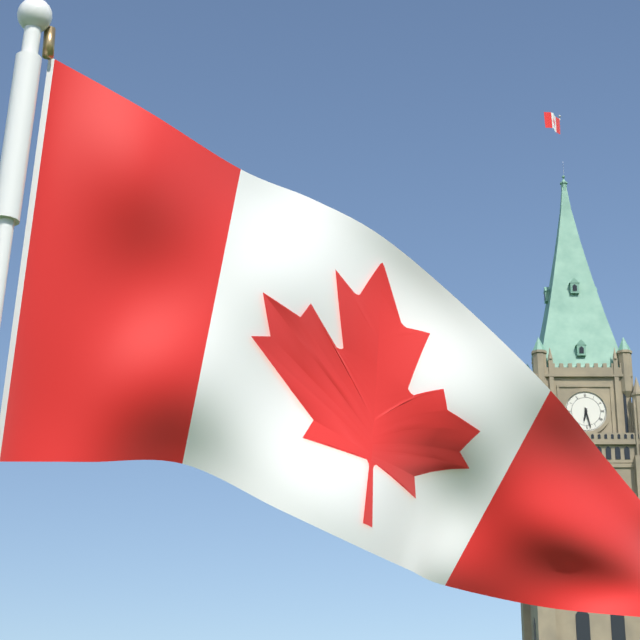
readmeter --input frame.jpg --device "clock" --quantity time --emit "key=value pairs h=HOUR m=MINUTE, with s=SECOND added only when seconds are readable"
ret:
h=6 m=28
